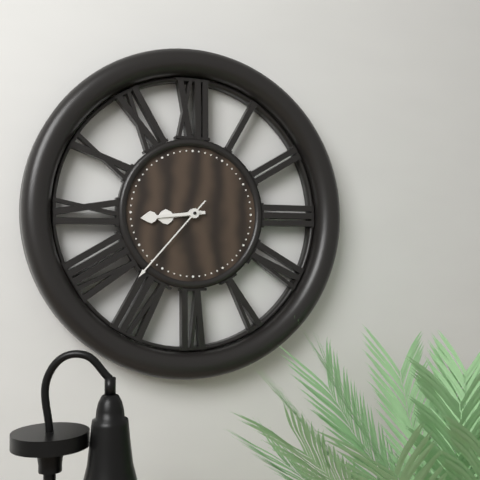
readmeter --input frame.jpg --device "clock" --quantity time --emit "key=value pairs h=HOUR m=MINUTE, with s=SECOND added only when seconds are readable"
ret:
h=8 m=44 s=37
